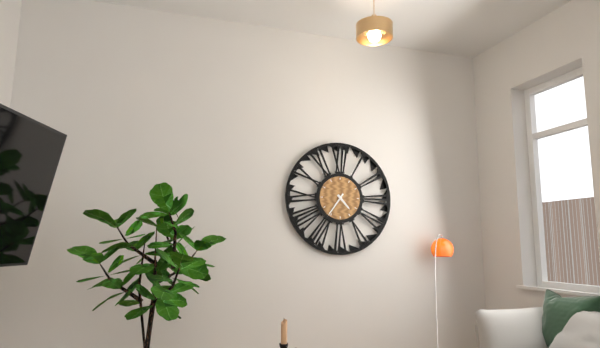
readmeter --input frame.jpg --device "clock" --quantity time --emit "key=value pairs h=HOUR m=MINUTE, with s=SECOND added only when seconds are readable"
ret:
h=4 m=36
